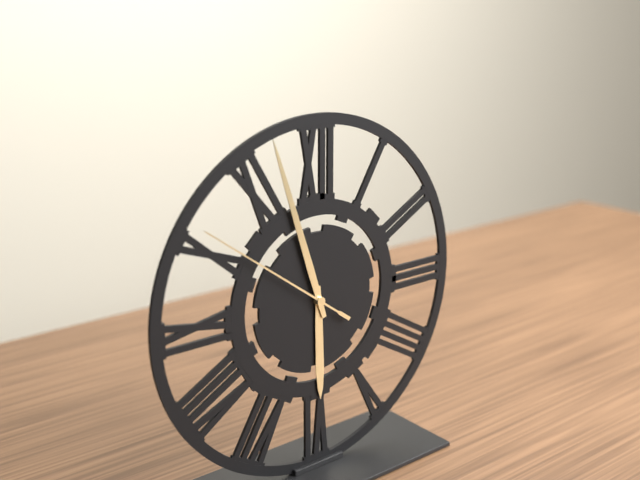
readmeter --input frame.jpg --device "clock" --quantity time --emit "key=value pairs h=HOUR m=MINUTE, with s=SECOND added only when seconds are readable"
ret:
h=5 m=57 s=51
